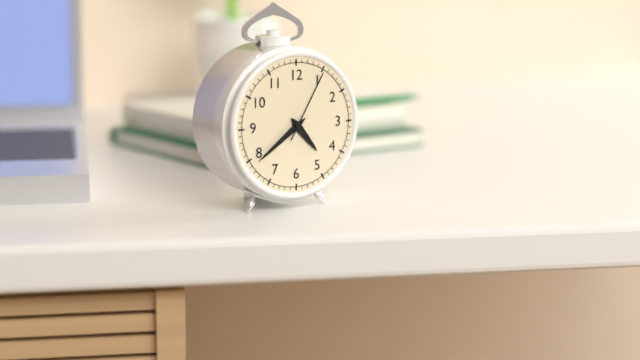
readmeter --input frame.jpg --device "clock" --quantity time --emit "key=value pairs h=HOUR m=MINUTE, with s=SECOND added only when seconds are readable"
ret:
h=4 m=39 s=5
